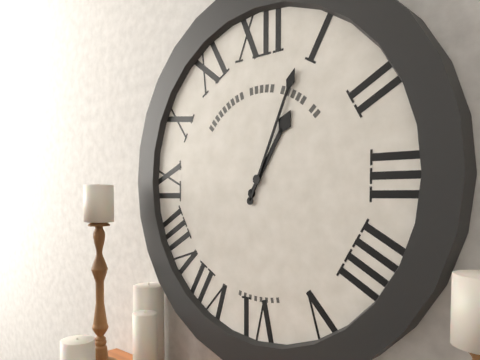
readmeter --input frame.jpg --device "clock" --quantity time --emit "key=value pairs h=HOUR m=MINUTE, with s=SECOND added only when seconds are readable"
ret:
h=1 m=4
